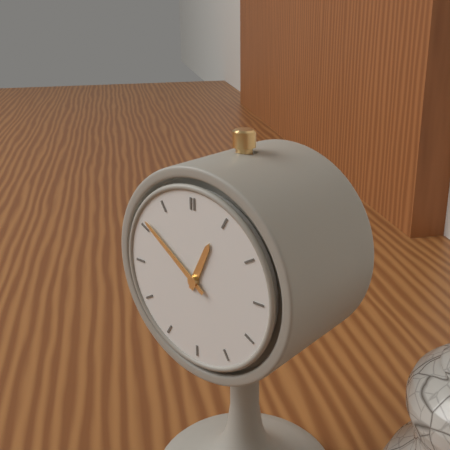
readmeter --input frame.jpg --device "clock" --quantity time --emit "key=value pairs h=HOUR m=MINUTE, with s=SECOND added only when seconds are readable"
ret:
h=12 m=51
